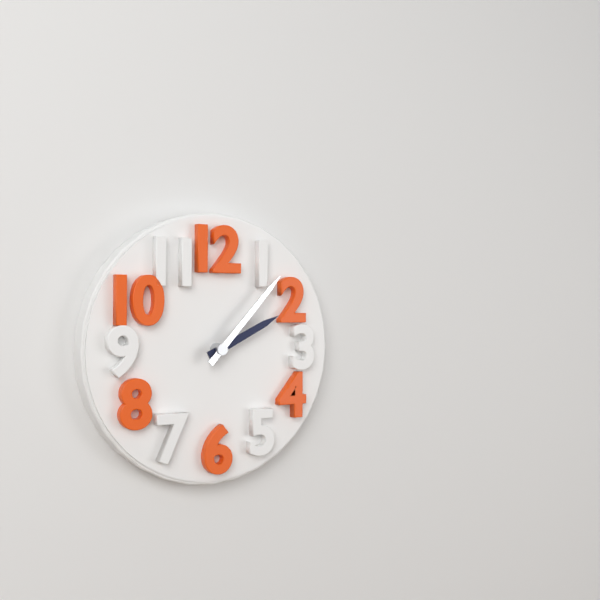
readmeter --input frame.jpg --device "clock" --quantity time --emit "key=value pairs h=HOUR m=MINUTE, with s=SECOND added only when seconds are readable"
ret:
h=2 m=7
